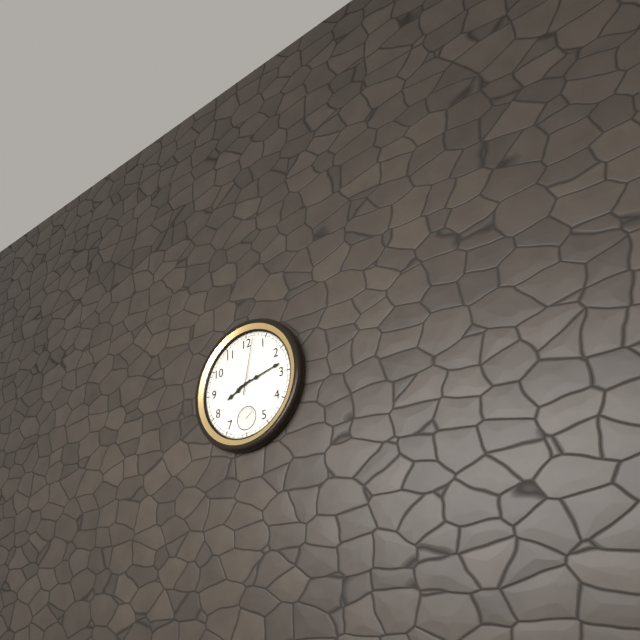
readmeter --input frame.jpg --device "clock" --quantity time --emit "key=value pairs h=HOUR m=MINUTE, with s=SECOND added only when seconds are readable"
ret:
h=8 m=13 s=2
